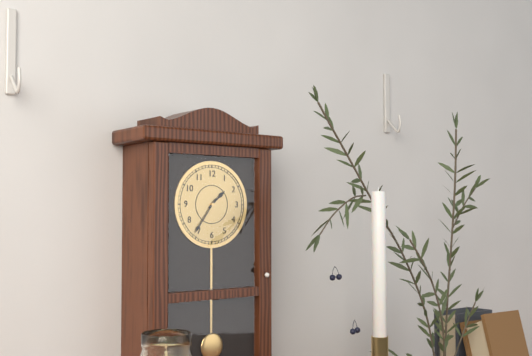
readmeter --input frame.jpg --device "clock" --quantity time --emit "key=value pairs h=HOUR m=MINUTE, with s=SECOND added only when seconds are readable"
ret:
h=1 m=36
